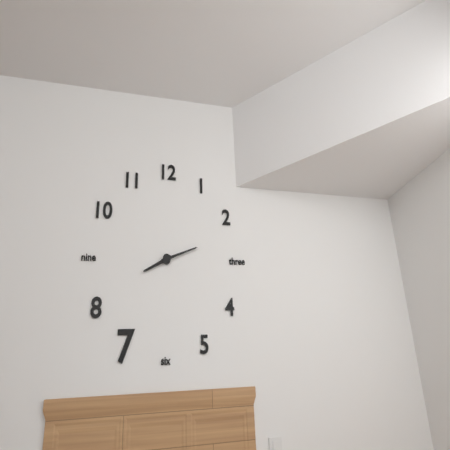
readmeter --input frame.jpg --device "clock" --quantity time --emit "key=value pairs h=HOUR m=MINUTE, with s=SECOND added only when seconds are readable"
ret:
h=8 m=12
